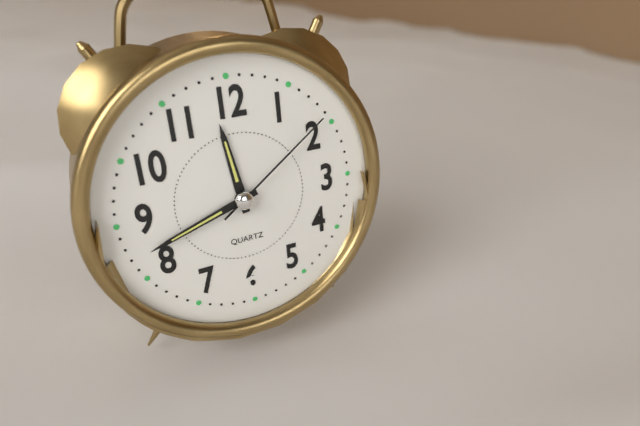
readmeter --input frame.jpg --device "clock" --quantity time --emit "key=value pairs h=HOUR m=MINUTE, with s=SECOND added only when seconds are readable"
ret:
h=11 m=42 s=9
